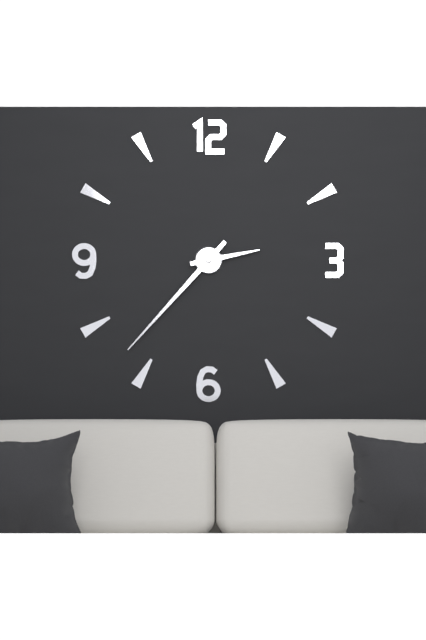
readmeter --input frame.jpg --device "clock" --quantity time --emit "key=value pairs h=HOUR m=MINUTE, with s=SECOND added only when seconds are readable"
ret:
h=2 m=37
